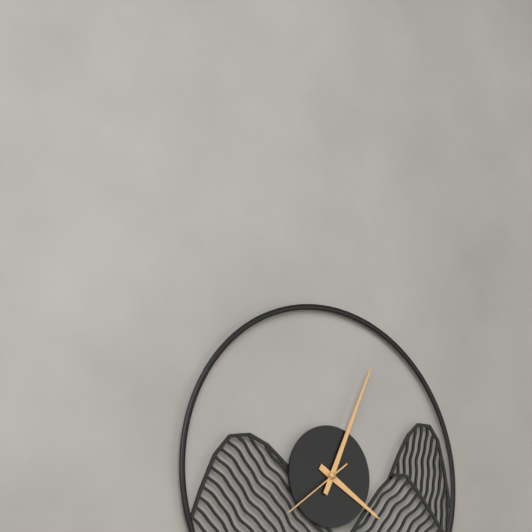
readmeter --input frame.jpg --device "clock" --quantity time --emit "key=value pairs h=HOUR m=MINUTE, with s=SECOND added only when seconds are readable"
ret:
h=4 m=4 s=39
